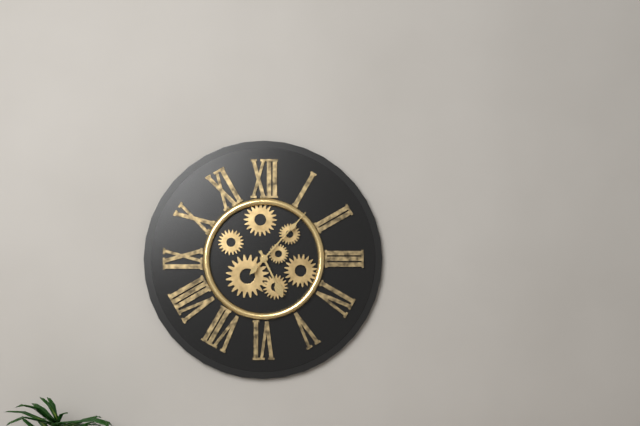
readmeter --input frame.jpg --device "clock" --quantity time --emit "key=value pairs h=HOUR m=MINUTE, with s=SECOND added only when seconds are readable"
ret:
h=5 m=7
